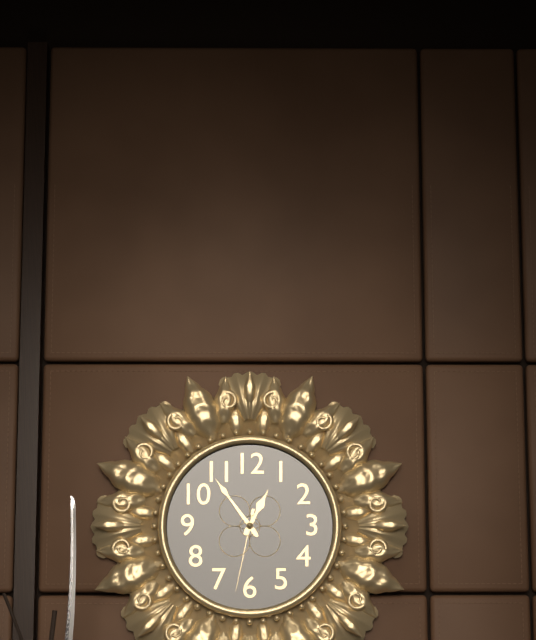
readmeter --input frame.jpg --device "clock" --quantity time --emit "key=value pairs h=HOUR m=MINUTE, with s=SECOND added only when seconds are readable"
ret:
h=12 m=54 s=32
